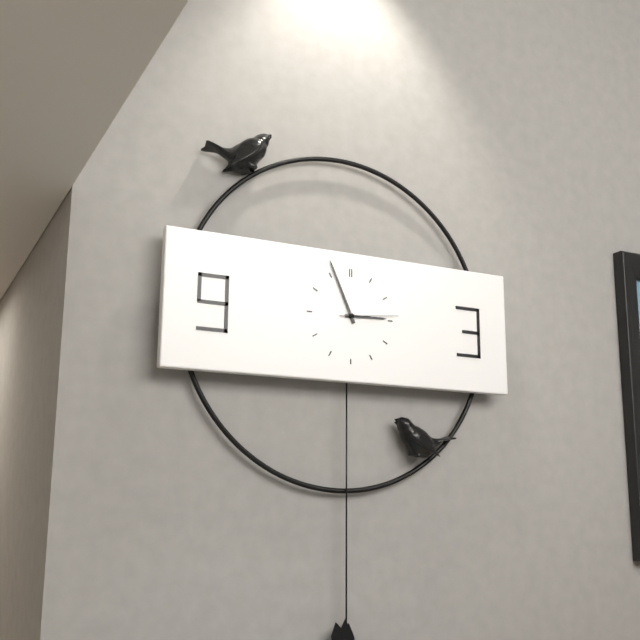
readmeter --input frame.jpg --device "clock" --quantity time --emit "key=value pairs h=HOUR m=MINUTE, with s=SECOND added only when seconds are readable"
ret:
h=2 m=56 s=14
